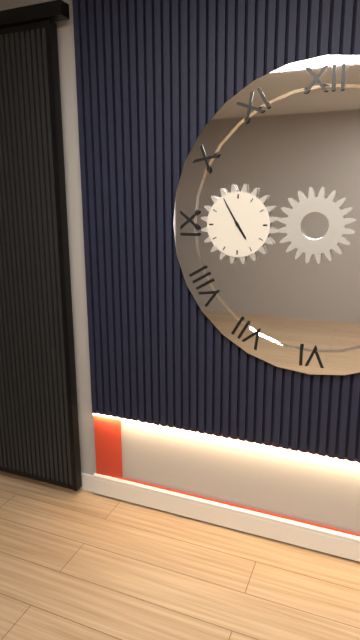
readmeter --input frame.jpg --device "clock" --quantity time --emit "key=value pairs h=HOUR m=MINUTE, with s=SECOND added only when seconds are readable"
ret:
h=4 m=55
